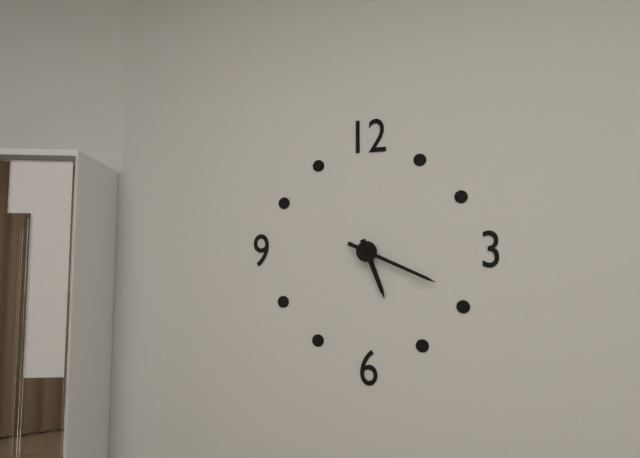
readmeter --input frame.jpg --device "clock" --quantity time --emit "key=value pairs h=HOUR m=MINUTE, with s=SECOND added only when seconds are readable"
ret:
h=5 m=19
